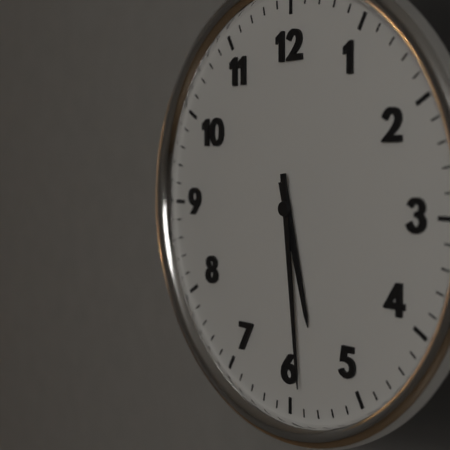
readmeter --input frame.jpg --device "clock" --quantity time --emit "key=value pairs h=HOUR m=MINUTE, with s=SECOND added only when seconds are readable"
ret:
h=5 m=29
